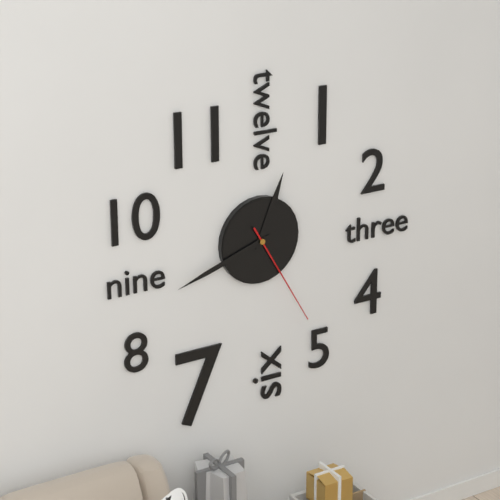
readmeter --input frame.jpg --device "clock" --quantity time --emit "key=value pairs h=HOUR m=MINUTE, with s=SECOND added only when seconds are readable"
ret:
h=12 m=42 s=25
